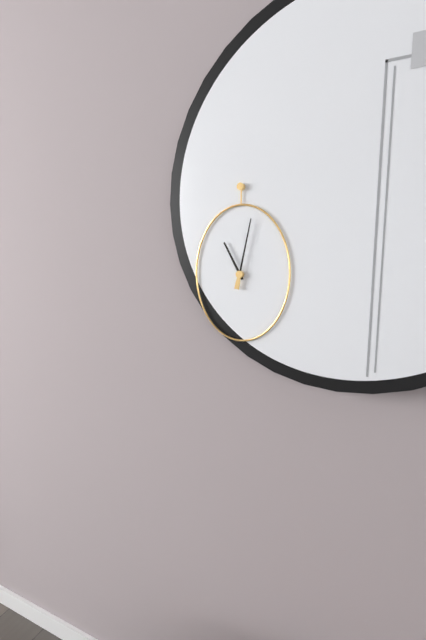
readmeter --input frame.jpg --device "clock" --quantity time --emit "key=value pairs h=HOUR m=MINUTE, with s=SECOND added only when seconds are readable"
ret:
h=11 m=2
